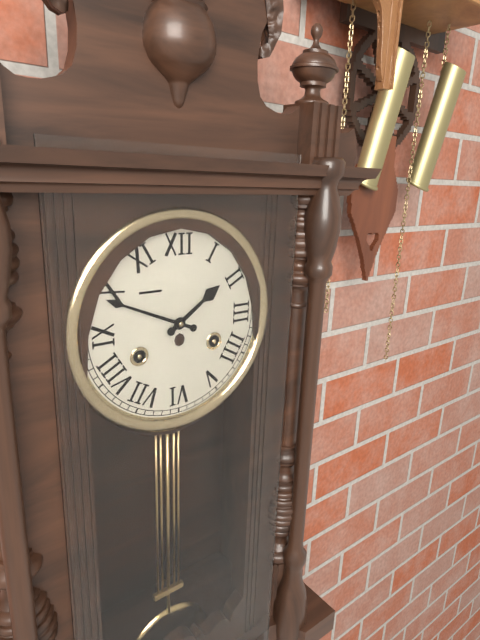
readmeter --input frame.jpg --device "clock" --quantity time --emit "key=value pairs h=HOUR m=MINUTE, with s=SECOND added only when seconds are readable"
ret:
h=1 m=49
